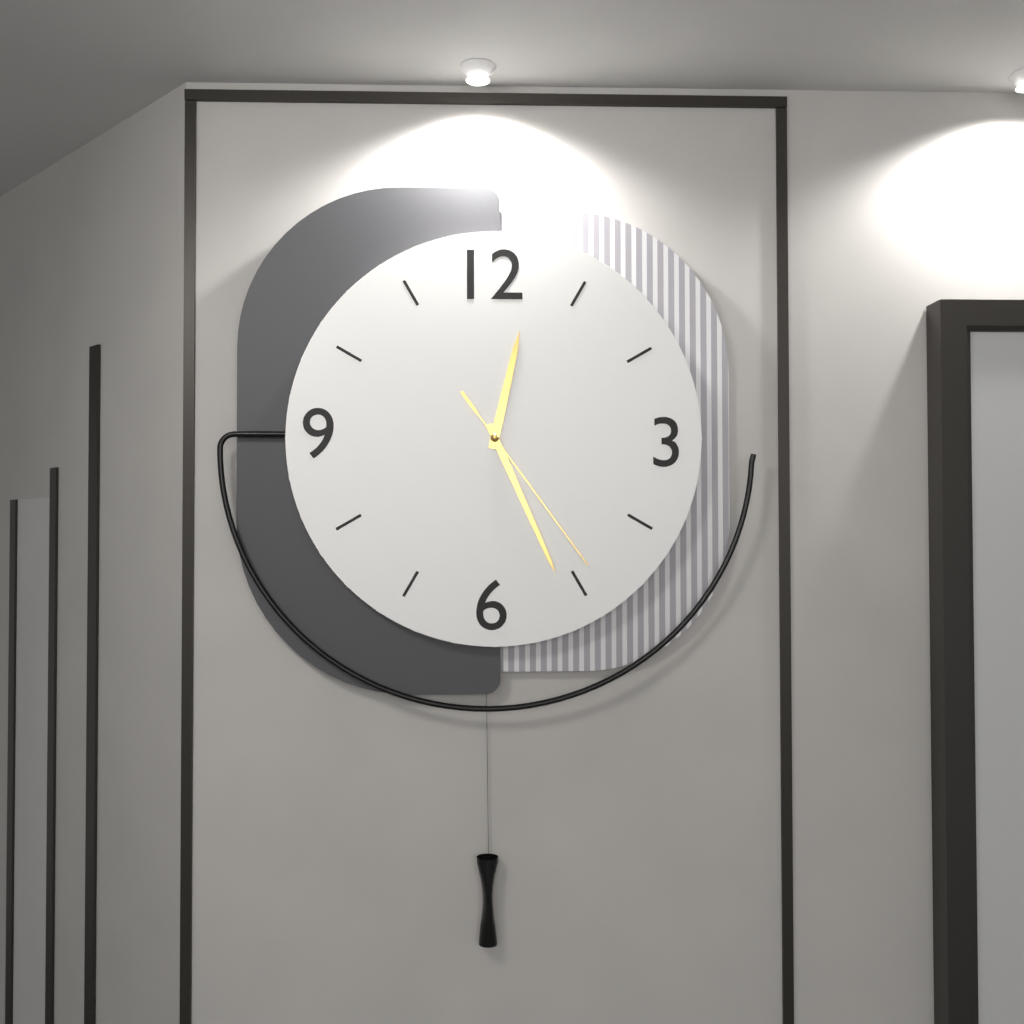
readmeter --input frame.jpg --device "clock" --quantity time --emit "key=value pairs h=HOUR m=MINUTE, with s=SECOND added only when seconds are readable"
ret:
h=12 m=26 s=24
